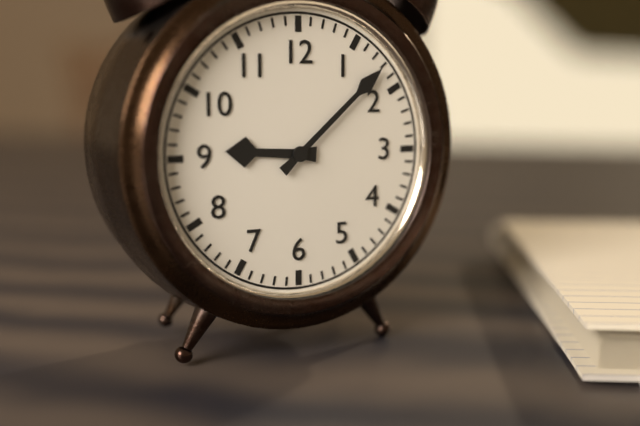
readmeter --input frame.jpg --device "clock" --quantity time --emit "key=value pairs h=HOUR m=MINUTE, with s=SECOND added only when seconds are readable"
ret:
h=9 m=8
